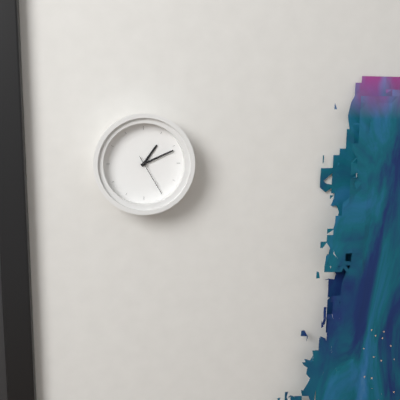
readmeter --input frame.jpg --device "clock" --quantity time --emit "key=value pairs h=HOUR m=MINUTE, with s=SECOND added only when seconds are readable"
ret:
h=1 m=11
